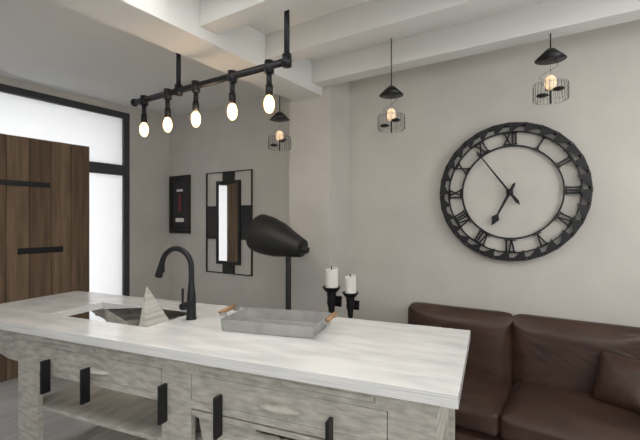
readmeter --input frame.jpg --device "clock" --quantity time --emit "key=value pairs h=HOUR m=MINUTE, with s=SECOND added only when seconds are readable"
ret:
h=6 m=54
